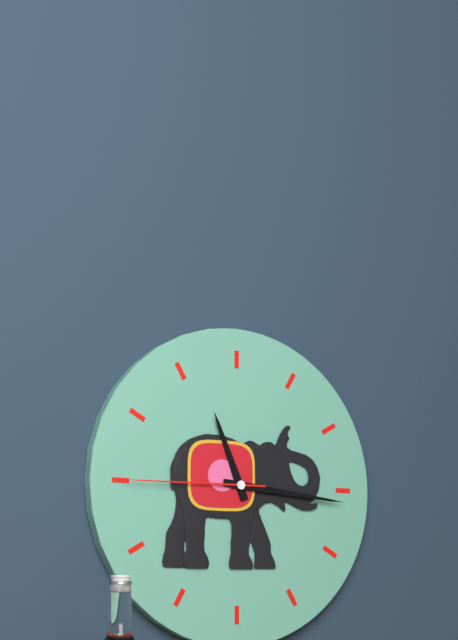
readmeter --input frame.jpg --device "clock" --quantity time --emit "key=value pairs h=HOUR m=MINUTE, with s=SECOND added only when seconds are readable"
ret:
h=11 m=16 s=45
